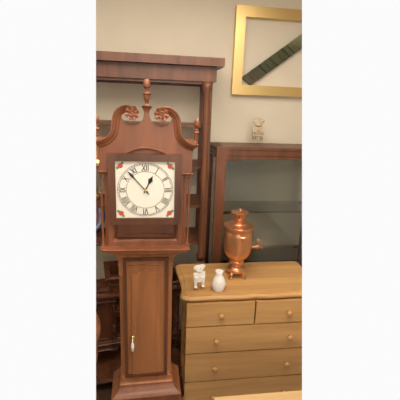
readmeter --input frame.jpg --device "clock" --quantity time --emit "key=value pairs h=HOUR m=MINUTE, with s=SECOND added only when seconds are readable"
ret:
h=12 m=53
